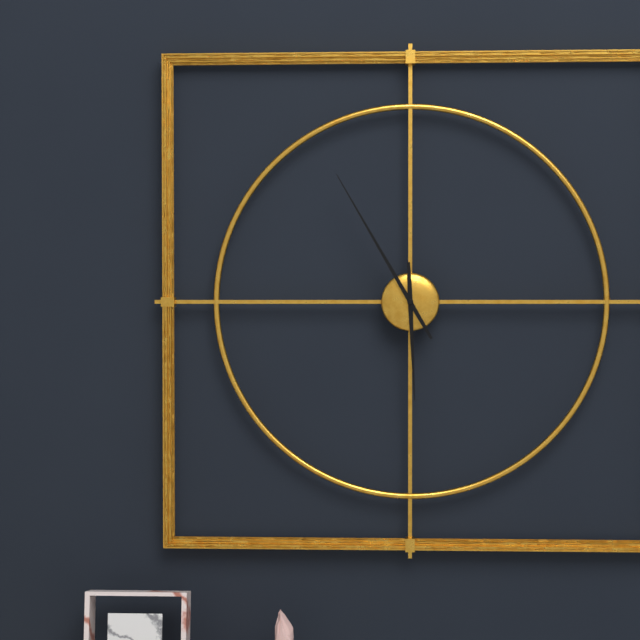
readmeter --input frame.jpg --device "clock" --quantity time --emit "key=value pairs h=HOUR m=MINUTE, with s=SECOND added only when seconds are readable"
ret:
h=5 m=55
